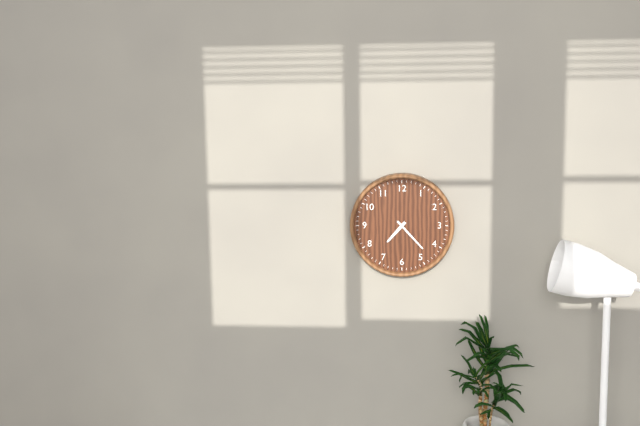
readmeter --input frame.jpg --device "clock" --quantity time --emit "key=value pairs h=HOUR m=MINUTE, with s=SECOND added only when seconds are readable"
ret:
h=7 m=23
